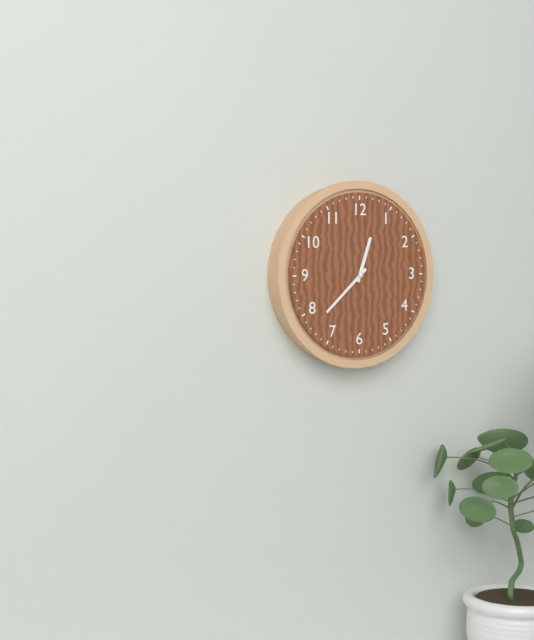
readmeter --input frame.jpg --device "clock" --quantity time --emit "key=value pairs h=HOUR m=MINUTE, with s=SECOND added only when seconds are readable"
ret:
h=12 m=38
